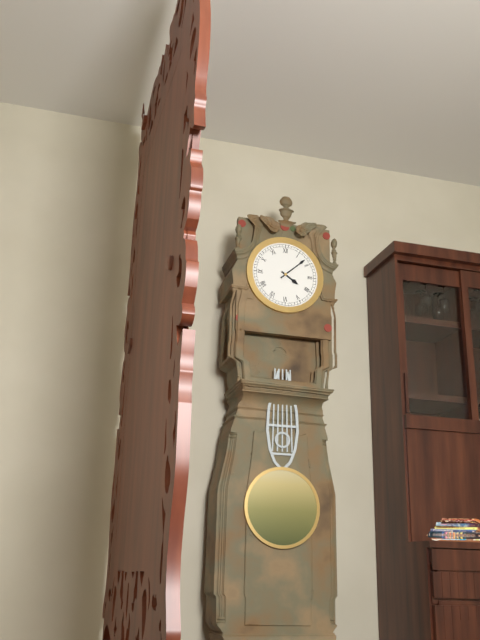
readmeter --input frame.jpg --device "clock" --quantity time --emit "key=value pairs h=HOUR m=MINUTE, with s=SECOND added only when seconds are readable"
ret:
h=4 m=8
